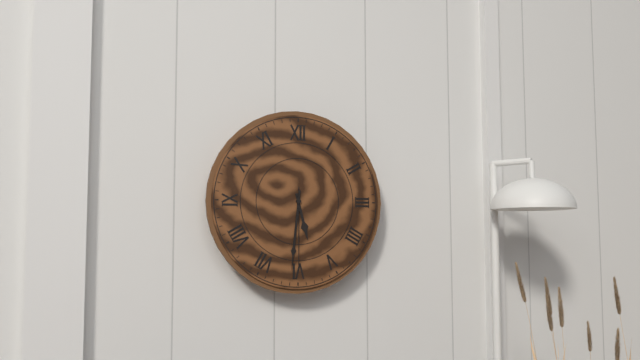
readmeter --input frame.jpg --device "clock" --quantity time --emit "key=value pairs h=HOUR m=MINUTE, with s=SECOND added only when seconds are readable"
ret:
h=5 m=31 s=30
